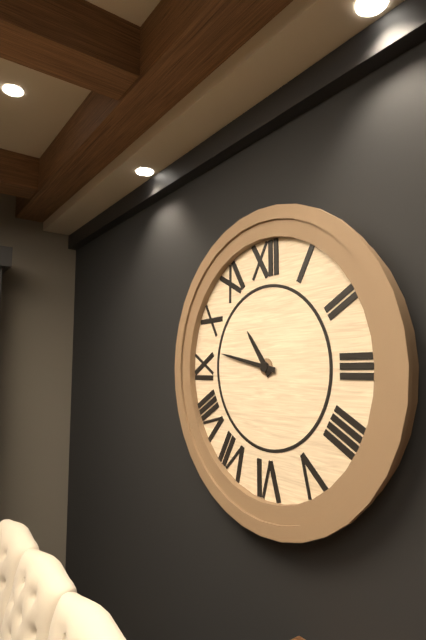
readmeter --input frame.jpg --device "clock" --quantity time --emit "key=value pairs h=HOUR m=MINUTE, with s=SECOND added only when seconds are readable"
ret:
h=10 m=47
